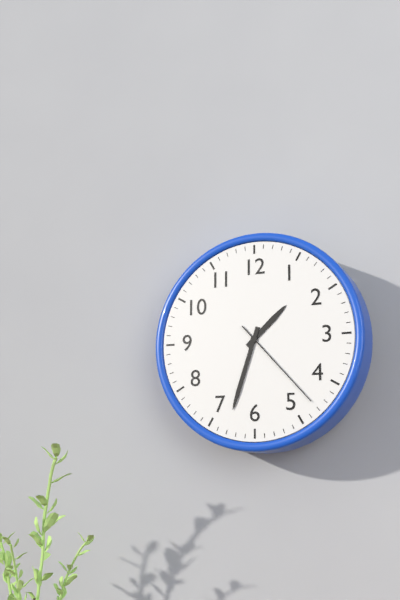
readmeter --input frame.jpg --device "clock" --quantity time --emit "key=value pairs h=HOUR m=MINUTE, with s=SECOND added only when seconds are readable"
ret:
h=1 m=33 s=23
